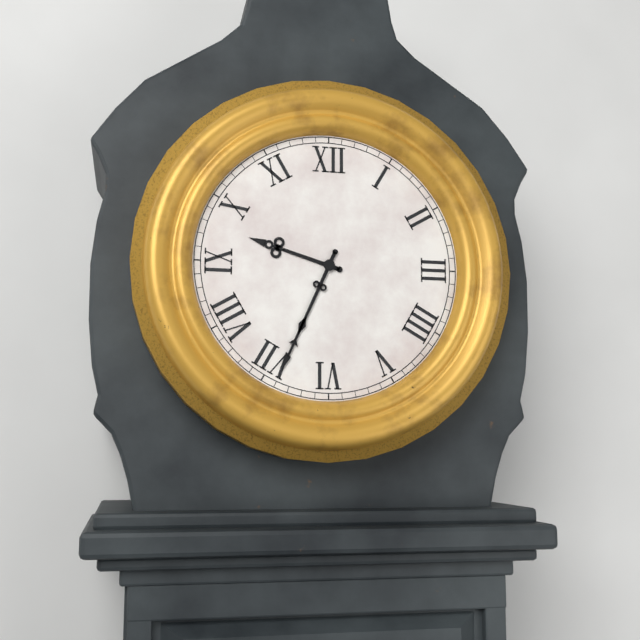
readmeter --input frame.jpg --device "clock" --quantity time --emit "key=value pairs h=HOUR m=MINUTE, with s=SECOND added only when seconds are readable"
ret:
h=9 m=34
